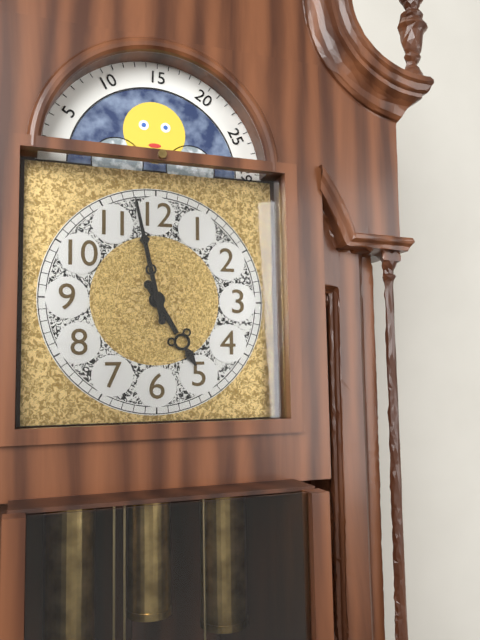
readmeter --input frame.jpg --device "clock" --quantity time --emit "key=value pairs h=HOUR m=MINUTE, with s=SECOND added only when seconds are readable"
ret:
h=4 m=58
